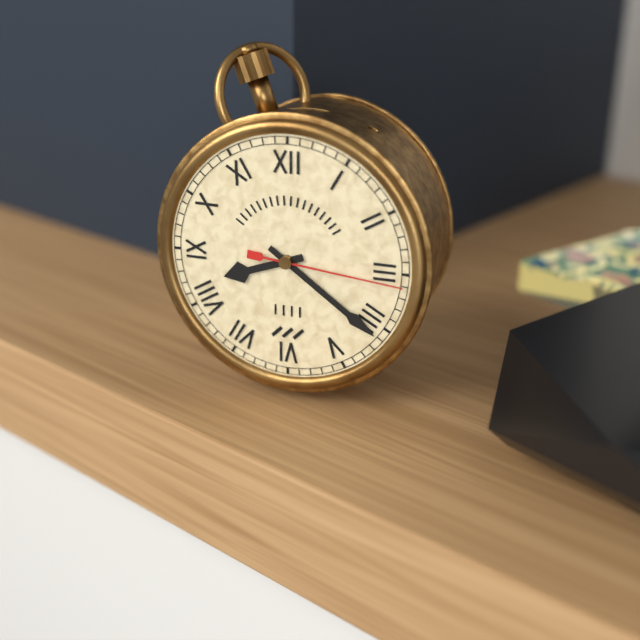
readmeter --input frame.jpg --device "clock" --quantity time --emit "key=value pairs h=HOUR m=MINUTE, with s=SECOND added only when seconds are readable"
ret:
h=8 m=21 s=16
